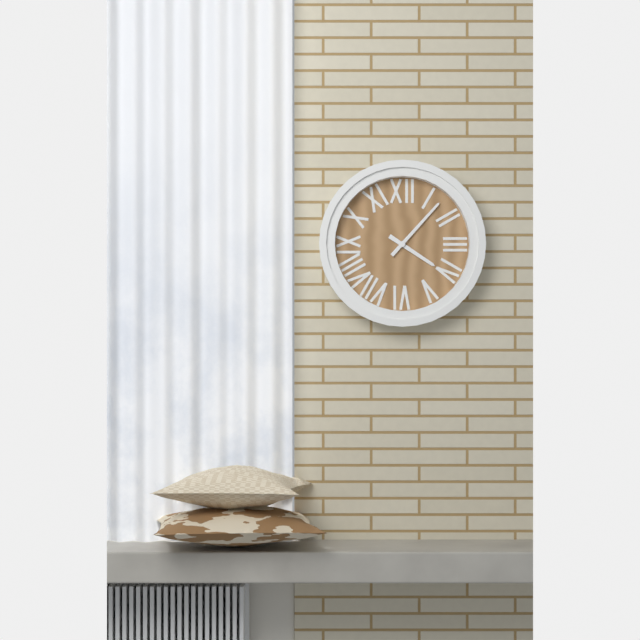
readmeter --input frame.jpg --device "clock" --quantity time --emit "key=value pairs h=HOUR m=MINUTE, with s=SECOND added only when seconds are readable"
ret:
h=4 m=7
